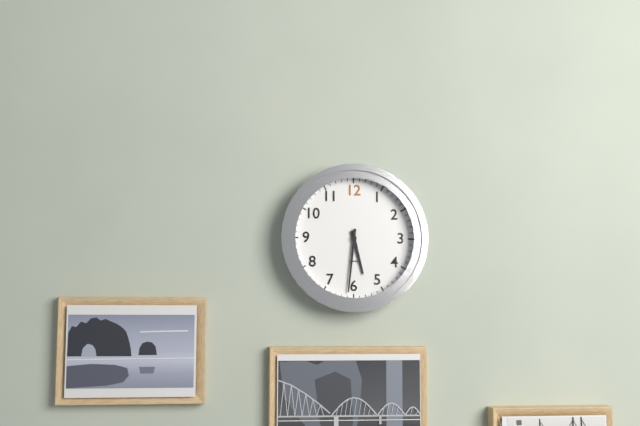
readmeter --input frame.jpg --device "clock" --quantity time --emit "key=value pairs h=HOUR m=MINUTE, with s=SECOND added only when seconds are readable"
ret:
h=5 m=31
